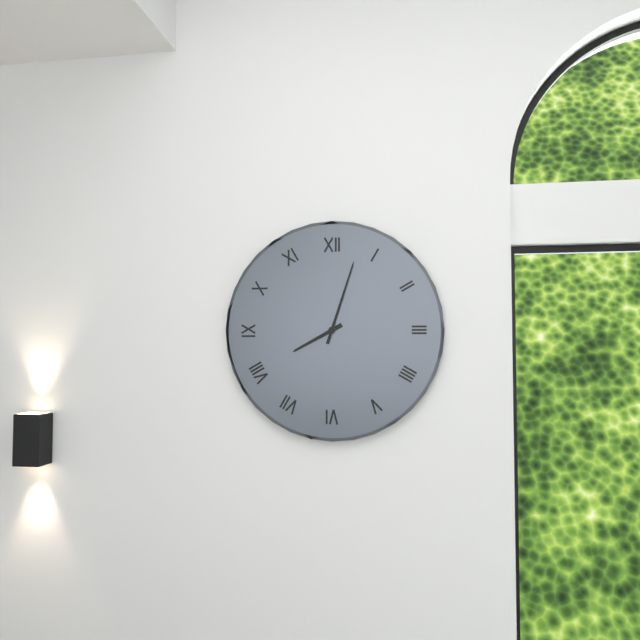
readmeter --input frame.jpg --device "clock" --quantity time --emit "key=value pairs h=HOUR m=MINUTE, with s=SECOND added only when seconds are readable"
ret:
h=8 m=3
